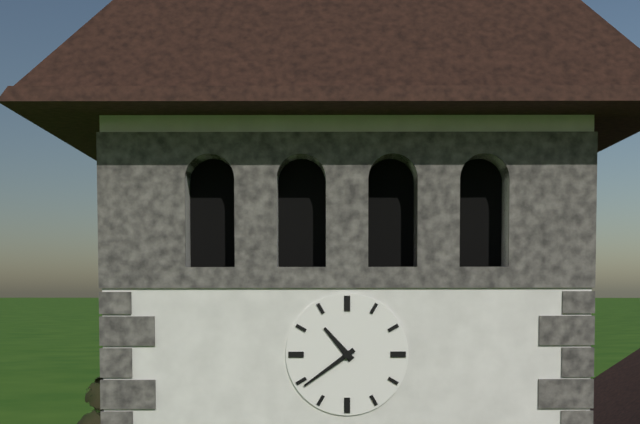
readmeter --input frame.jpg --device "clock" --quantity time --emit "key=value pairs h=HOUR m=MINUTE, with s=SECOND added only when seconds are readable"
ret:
h=10 m=39
